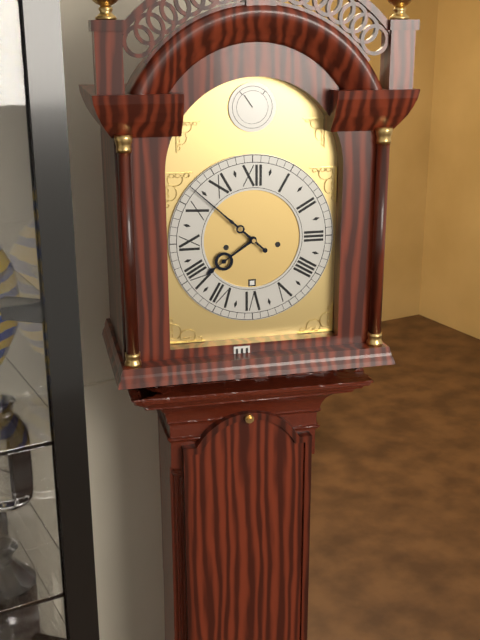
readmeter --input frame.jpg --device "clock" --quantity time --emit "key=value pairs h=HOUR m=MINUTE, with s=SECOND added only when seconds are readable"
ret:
h=7 m=52
